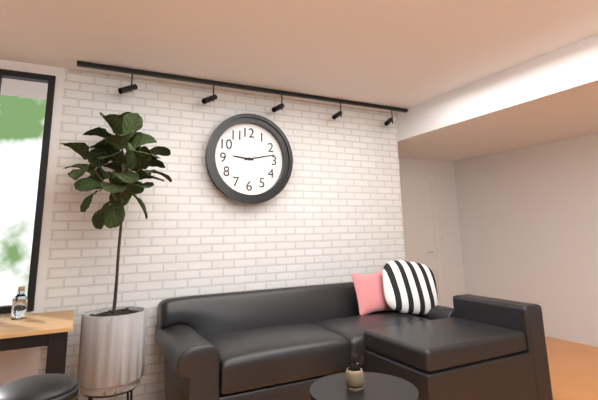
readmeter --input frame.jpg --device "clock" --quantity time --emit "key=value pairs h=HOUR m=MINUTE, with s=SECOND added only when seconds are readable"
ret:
h=9 m=13
